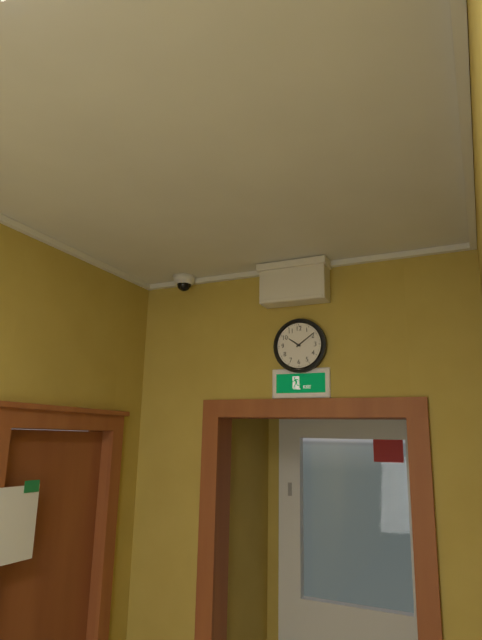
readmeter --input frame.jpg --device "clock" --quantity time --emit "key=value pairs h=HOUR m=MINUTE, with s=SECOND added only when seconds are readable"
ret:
h=10 m=9
